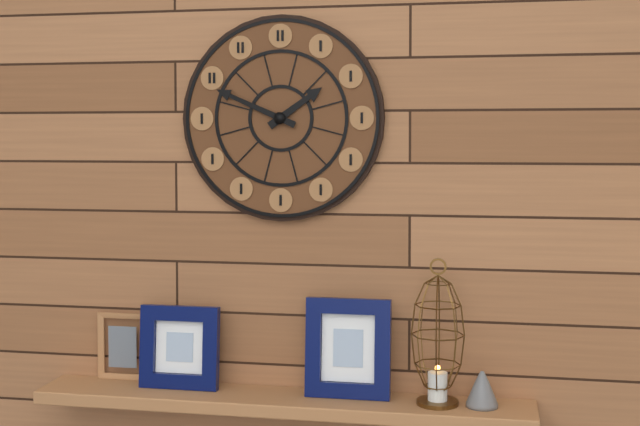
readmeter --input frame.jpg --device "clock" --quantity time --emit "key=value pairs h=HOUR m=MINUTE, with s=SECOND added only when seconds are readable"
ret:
h=1 m=49
